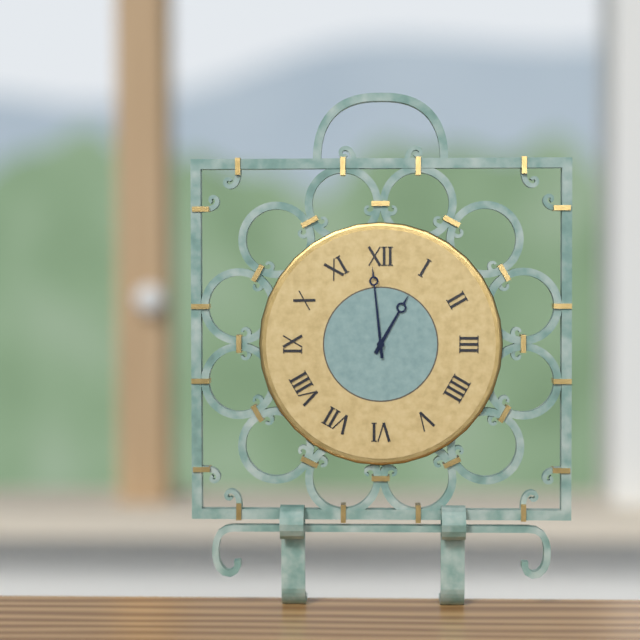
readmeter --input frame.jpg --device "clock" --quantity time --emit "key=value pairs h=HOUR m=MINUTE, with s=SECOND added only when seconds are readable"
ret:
h=12 m=59
